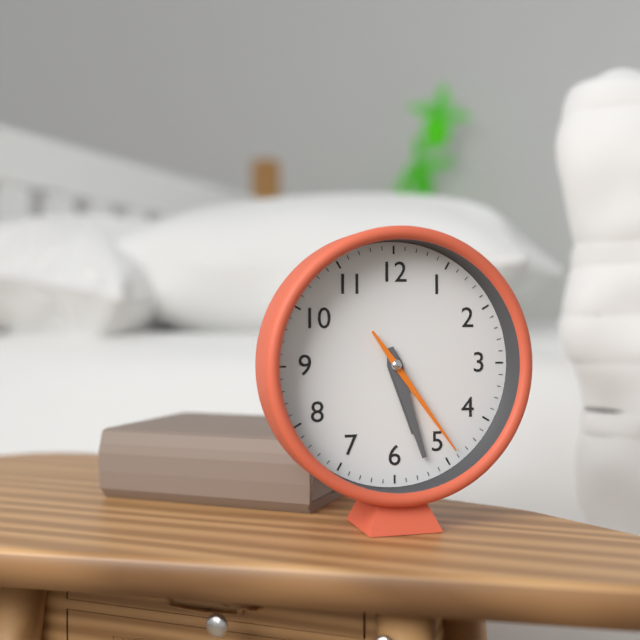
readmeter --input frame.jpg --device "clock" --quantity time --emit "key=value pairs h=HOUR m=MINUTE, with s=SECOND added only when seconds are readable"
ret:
h=5 m=27 s=24
